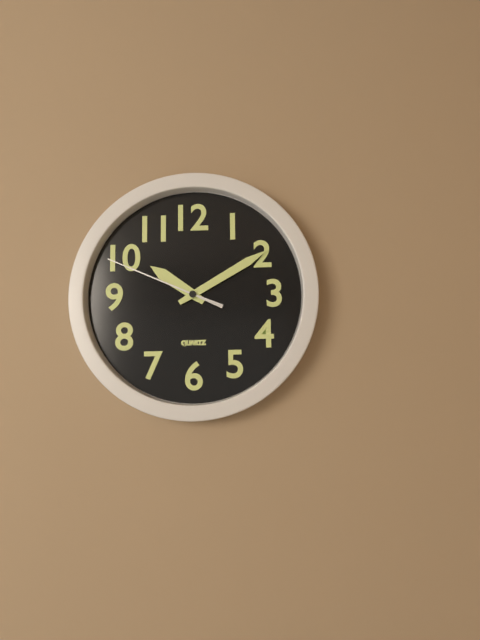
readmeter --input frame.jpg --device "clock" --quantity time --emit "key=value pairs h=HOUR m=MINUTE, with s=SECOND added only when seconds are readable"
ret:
h=10 m=10 s=49
